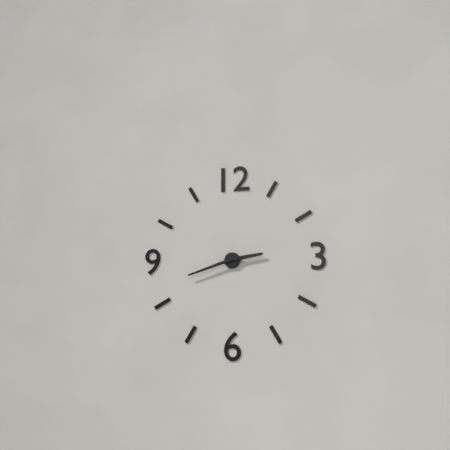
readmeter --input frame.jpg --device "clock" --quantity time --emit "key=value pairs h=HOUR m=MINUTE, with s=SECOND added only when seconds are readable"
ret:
h=2 m=42
